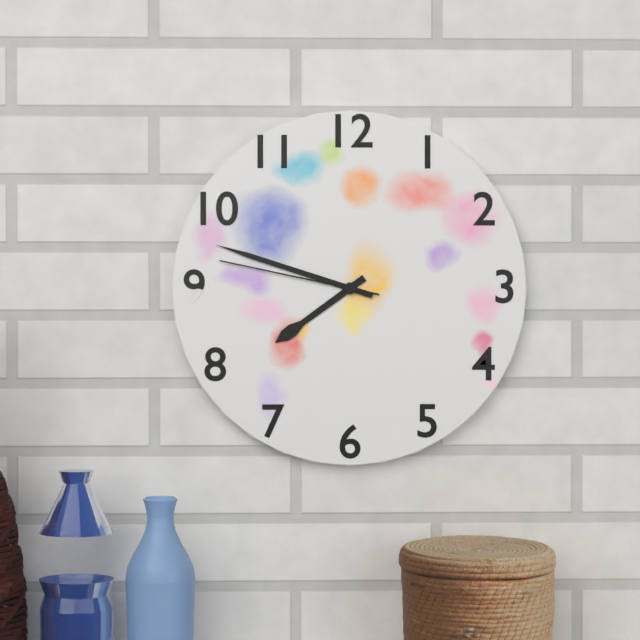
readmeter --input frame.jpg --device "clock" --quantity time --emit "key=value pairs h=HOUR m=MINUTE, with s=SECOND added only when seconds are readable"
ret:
h=7 m=48 s=47
